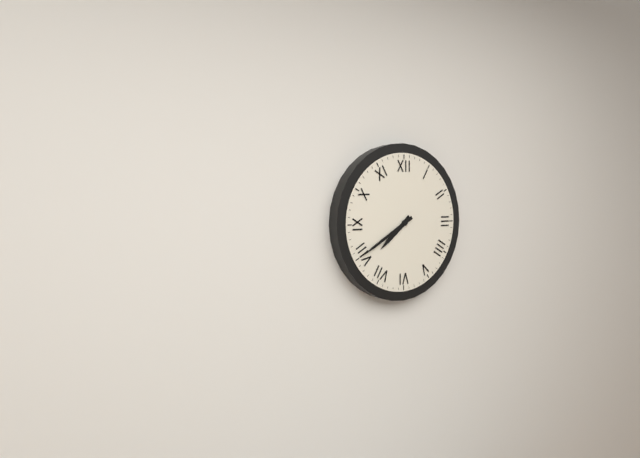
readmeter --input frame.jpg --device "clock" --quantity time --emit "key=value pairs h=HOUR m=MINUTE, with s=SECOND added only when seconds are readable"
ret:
h=7 m=40
